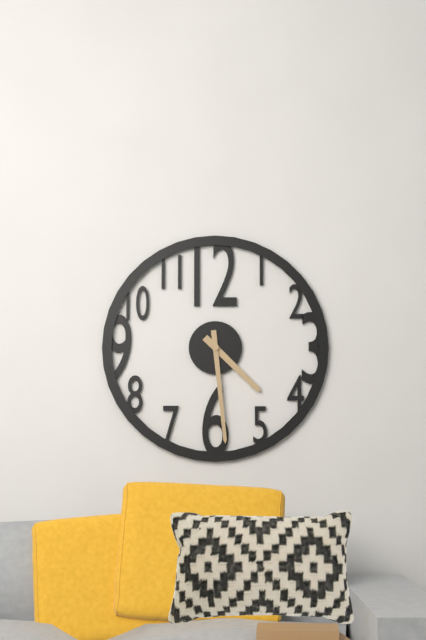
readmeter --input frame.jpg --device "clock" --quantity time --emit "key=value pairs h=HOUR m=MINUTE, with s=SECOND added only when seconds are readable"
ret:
h=4 m=29
